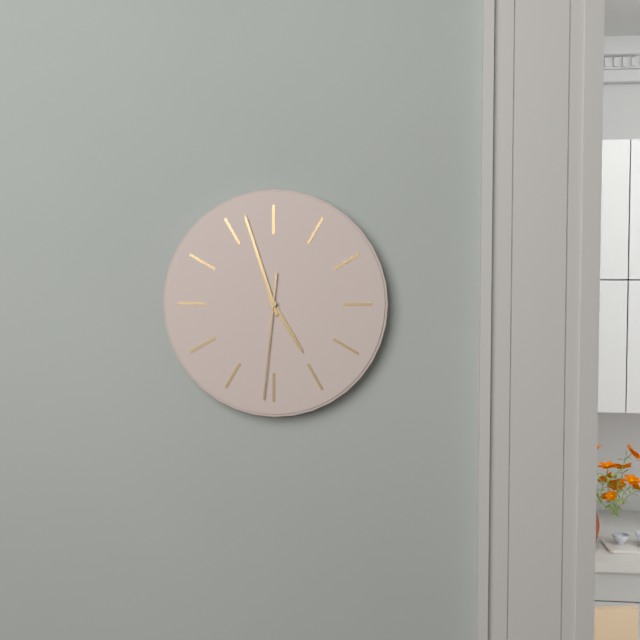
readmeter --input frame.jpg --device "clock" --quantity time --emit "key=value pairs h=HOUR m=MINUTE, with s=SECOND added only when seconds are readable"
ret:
h=4 m=57 s=31
